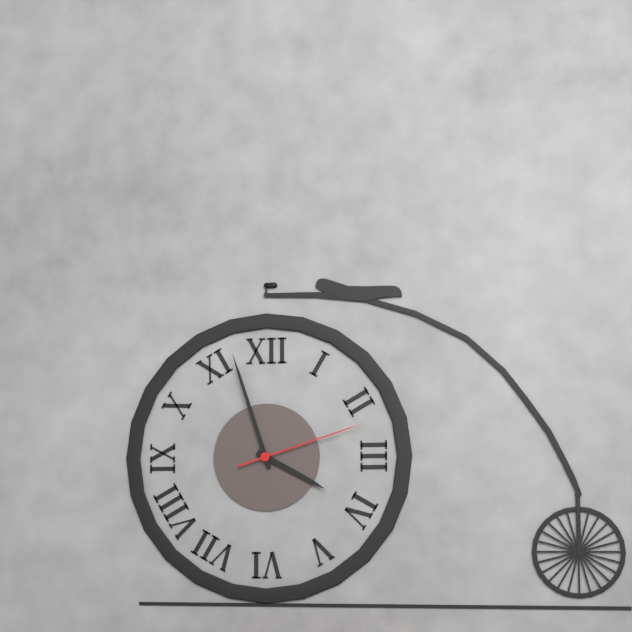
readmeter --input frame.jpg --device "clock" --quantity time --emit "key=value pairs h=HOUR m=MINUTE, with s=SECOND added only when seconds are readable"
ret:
h=3 m=57 s=12
